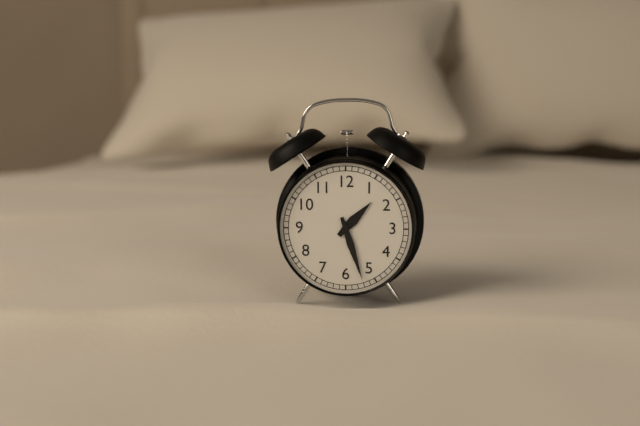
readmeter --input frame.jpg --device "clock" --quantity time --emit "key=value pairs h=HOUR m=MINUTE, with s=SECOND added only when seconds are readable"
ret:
h=1 m=27
